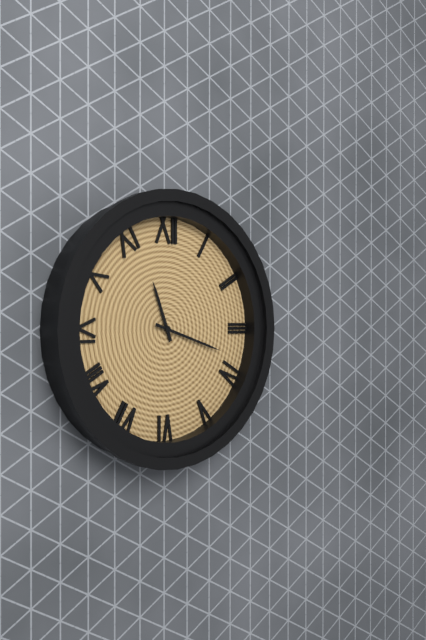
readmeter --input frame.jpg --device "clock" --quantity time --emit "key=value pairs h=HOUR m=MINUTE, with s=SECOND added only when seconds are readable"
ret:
h=11 m=18
